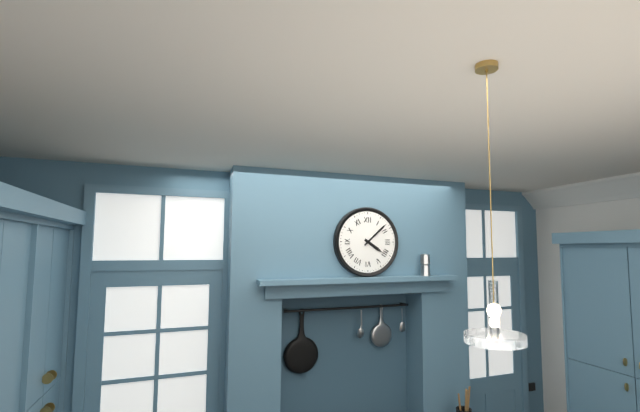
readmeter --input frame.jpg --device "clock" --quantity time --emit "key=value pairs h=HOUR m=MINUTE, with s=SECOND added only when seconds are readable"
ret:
h=4 m=8
